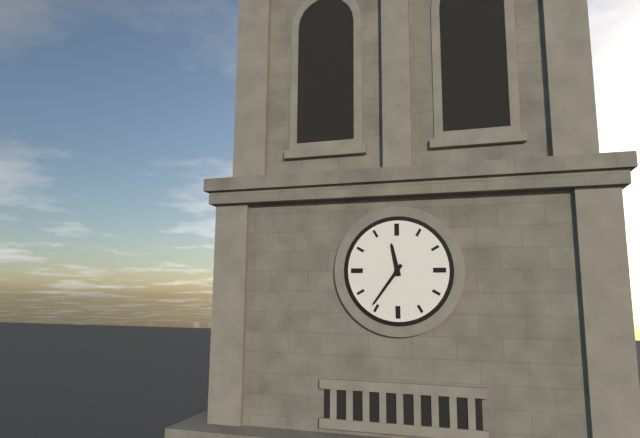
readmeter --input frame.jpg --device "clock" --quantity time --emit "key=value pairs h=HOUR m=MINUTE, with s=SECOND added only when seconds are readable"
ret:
h=11 m=36
